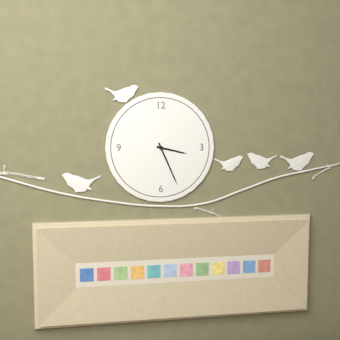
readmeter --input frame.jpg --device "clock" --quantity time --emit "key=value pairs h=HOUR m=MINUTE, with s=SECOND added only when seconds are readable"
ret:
h=3 m=26
